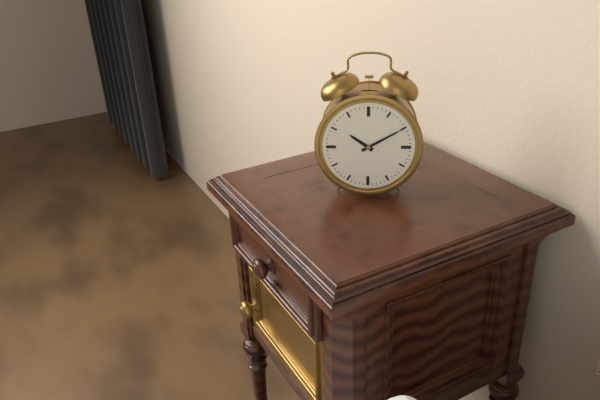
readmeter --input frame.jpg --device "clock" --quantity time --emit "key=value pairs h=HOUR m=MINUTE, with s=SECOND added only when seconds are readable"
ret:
h=10 m=10
